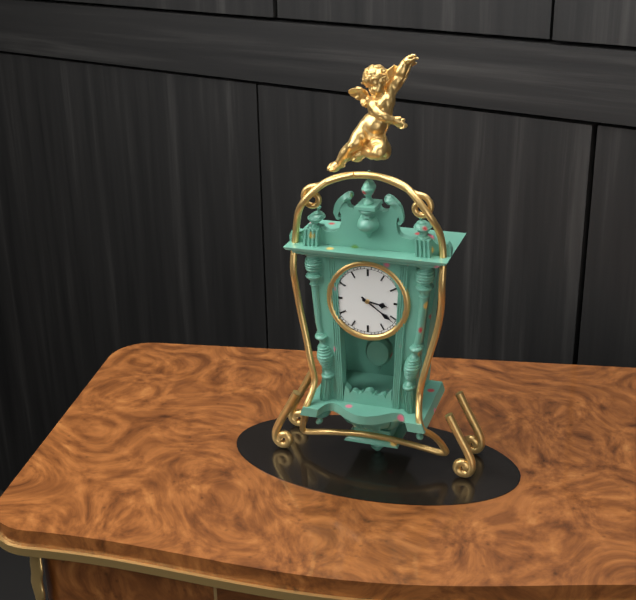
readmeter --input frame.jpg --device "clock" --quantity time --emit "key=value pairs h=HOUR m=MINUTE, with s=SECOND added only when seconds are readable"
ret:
h=3 m=21
